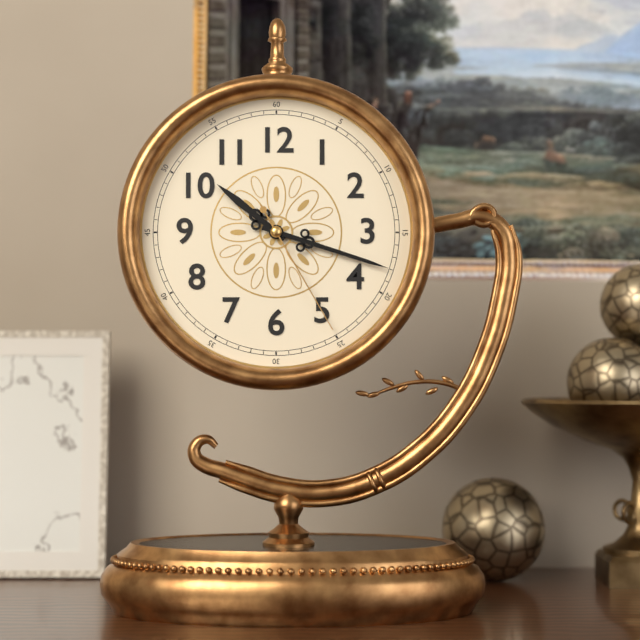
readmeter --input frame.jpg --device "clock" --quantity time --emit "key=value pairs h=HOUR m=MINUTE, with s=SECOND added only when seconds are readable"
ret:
h=10 m=18 s=25
